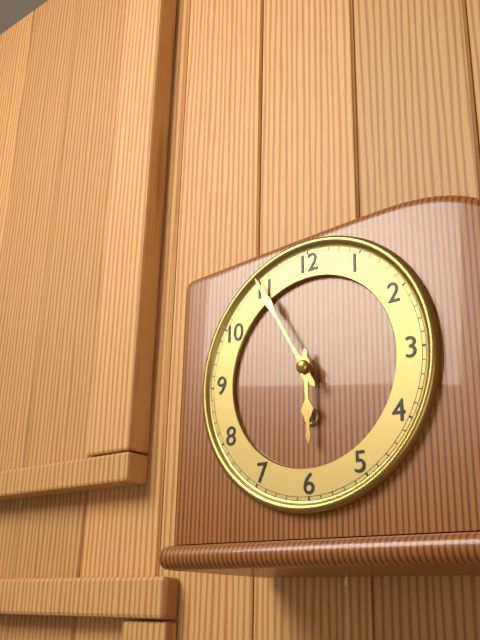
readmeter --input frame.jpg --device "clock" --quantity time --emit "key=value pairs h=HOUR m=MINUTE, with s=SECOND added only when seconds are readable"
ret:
h=5 m=55
